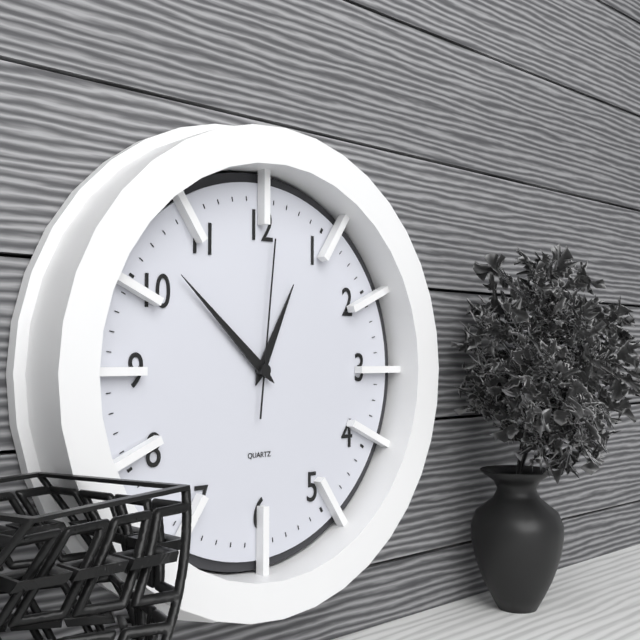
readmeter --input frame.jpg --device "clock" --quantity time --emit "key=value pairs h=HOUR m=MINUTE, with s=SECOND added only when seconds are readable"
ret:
h=12 m=52 s=1
